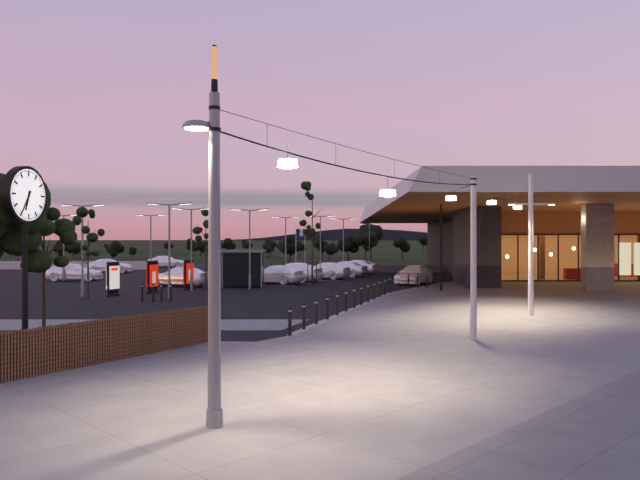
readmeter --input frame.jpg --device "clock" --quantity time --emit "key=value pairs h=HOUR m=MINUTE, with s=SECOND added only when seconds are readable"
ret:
h=6 m=35
